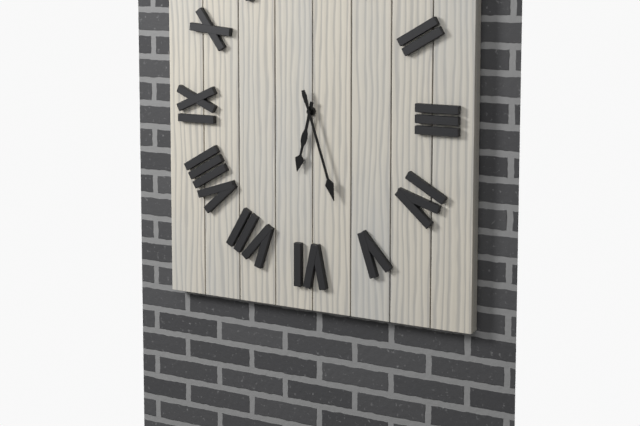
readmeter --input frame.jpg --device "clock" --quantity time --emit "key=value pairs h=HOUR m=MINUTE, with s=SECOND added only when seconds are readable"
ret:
h=6 m=27
